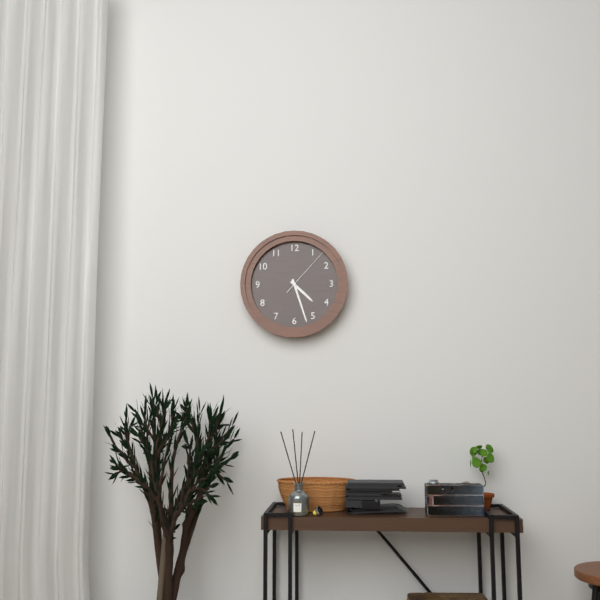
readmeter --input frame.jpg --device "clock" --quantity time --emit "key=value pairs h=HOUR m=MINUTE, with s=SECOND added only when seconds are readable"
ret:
h=4 m=27 s=7
